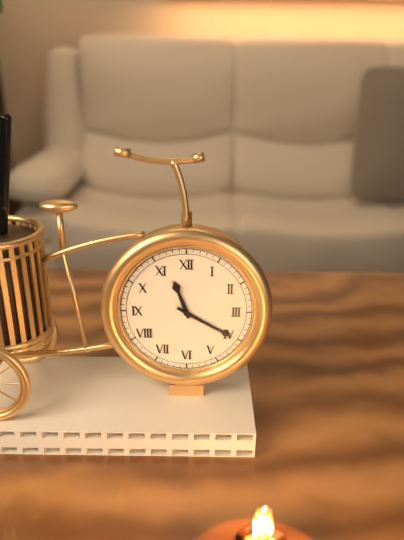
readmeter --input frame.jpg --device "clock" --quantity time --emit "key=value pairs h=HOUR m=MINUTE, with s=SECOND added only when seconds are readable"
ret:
h=11 m=20
